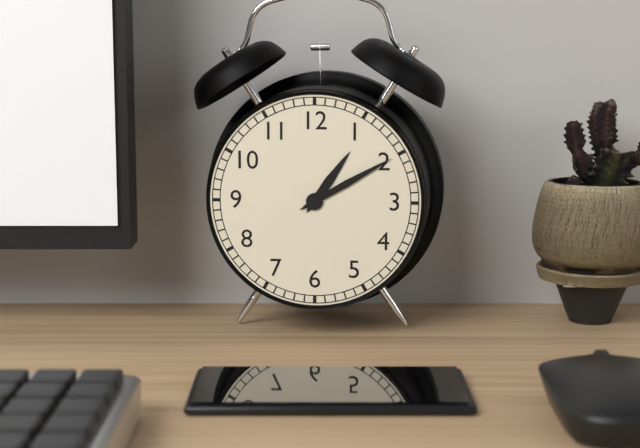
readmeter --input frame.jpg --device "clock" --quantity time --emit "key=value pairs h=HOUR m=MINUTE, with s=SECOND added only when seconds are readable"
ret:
h=1 m=10
